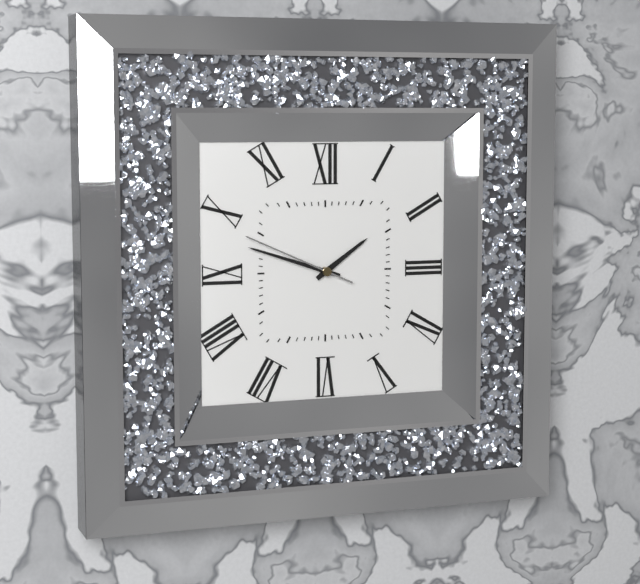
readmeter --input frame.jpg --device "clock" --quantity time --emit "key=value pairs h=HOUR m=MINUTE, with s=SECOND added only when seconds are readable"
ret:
h=1 m=48 s=49
